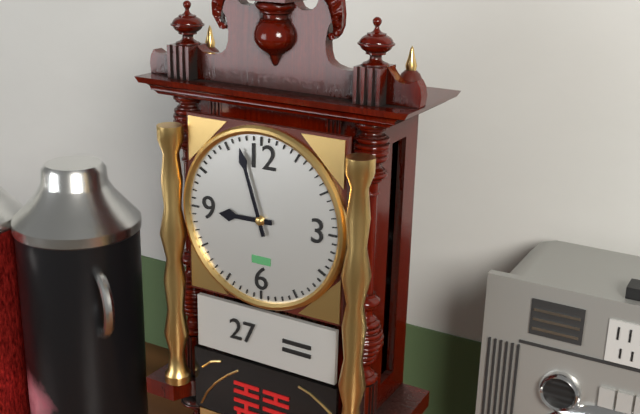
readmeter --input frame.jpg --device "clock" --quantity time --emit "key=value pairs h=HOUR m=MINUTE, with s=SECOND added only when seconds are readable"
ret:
h=8 m=57
